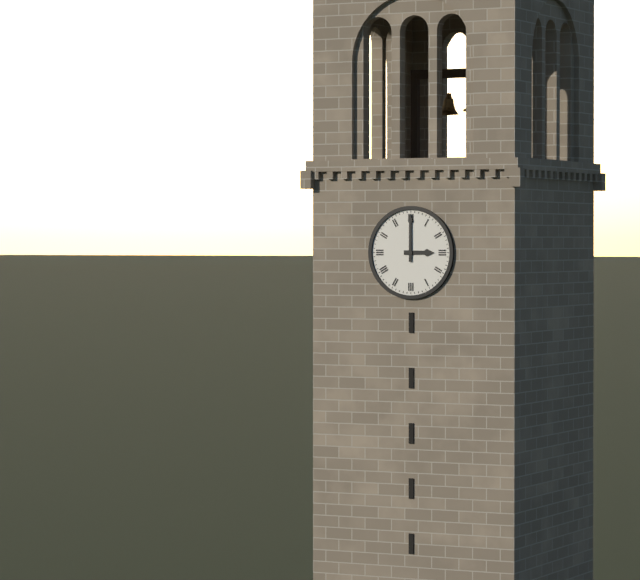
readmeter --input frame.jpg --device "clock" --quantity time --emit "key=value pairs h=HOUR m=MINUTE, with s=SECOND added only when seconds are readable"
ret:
h=3 m=0
